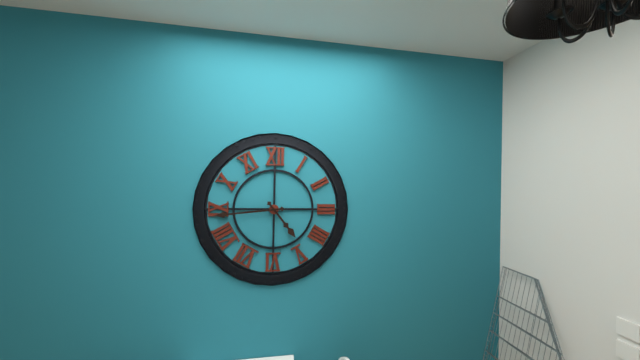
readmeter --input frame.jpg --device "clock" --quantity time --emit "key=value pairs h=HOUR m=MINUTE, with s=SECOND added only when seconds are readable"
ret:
h=4 m=44
